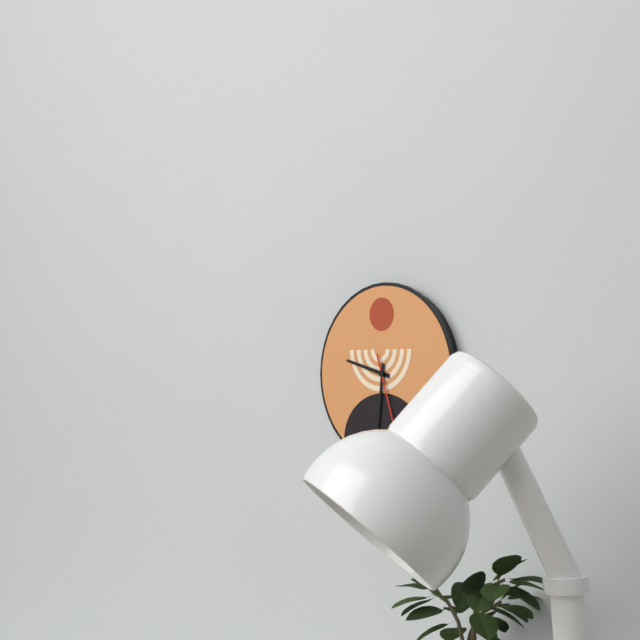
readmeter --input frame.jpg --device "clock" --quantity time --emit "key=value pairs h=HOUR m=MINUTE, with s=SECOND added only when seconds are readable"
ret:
h=9 m=31 s=27
